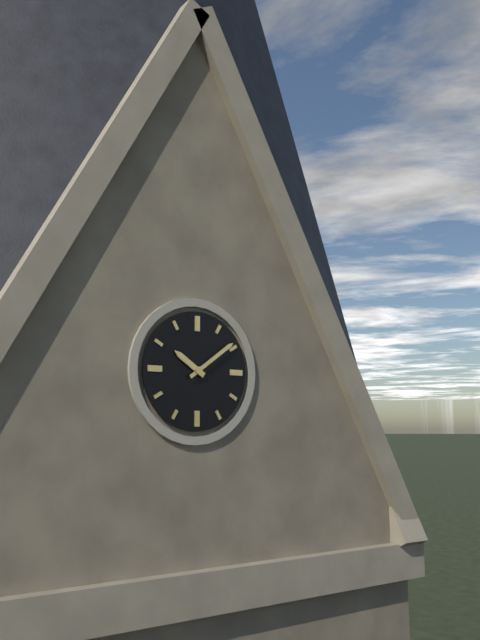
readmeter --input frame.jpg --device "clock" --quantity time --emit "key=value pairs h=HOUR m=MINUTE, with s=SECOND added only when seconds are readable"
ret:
h=10 m=9
